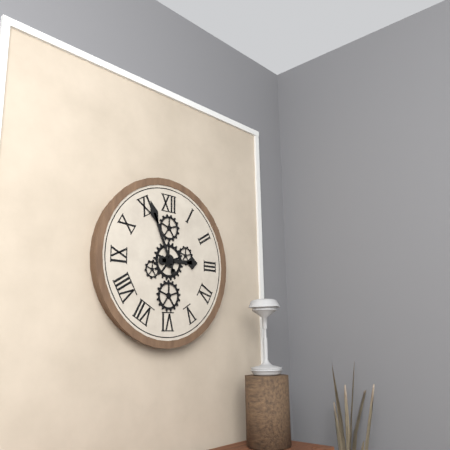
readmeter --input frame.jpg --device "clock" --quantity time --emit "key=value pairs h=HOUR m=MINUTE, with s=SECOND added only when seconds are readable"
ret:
h=2 m=56
